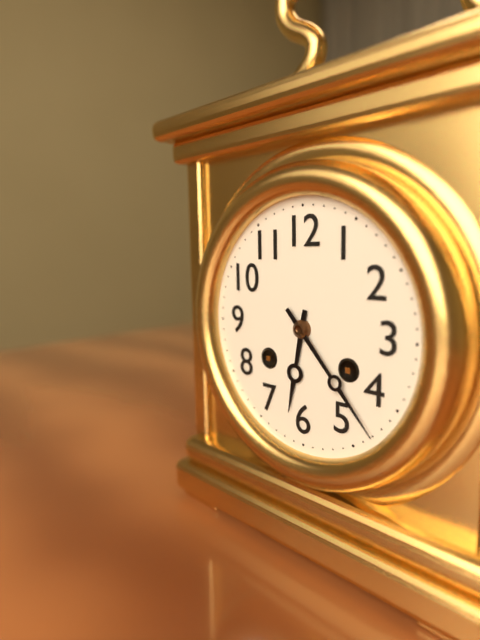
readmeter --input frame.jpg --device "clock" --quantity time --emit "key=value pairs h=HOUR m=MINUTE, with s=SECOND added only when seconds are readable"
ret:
h=6 m=23
